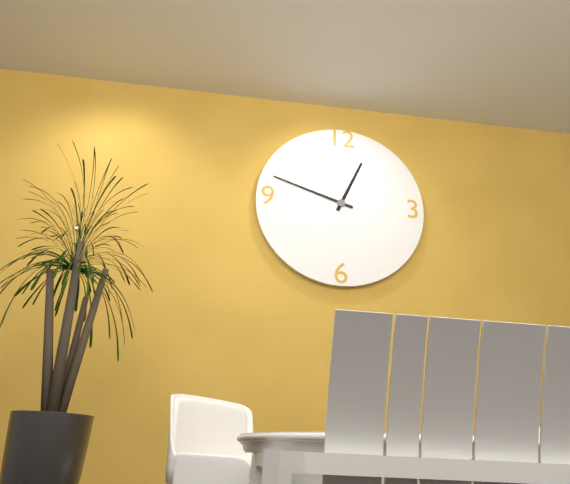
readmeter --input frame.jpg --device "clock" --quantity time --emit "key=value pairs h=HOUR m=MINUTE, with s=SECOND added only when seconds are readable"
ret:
h=12 m=48
